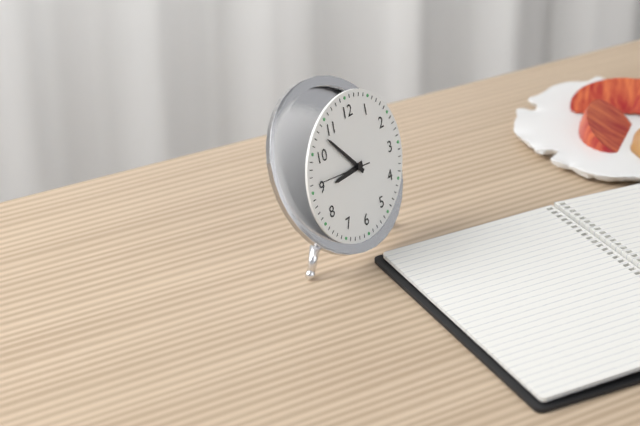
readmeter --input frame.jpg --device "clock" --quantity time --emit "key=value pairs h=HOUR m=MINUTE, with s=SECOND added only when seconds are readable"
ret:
h=8 m=53 s=46
